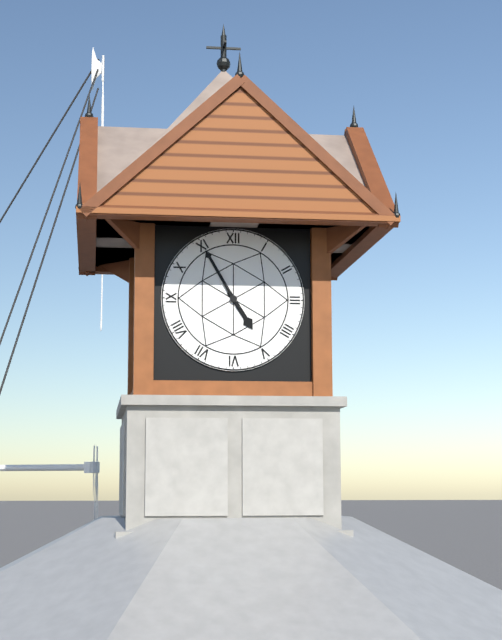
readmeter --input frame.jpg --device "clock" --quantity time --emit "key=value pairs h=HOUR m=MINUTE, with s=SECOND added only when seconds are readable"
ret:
h=4 m=55
